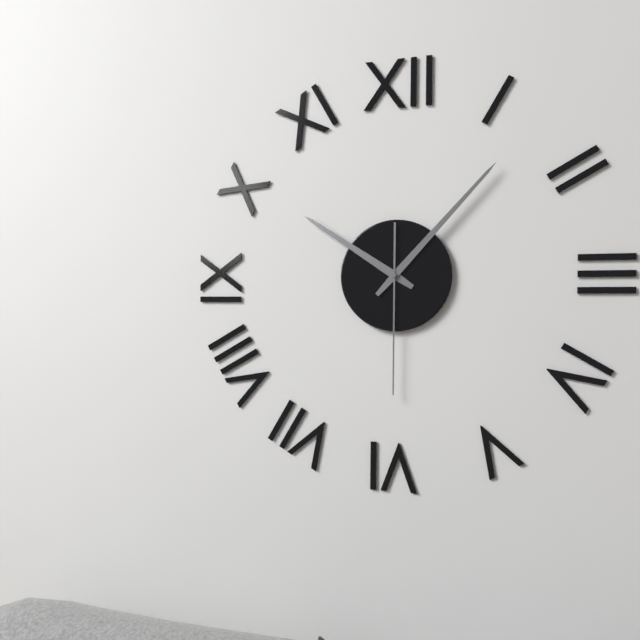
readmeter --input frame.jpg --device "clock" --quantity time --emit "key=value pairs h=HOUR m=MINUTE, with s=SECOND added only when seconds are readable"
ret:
h=10 m=7 s=30
